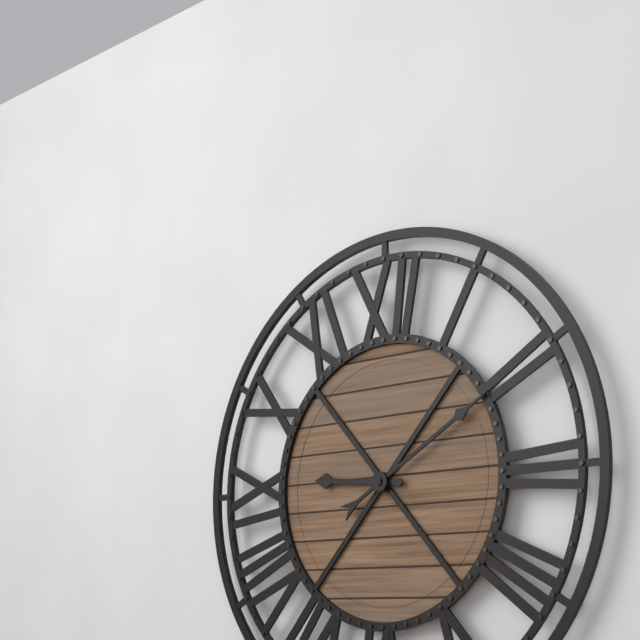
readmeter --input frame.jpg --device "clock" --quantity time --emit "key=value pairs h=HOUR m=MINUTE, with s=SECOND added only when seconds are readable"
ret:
h=9 m=10
